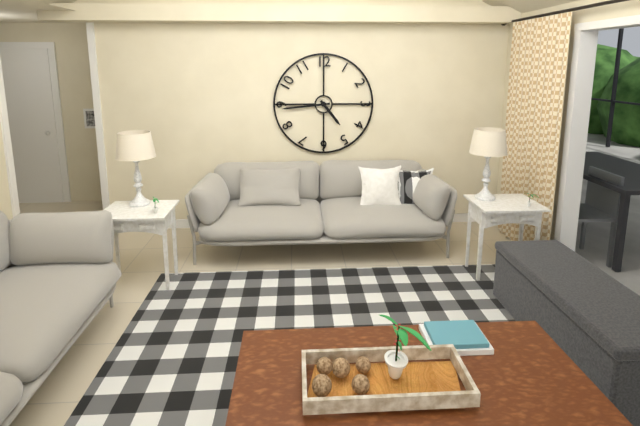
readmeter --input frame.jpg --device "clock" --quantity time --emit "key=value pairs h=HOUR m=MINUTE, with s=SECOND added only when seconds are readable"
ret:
h=4 m=44
